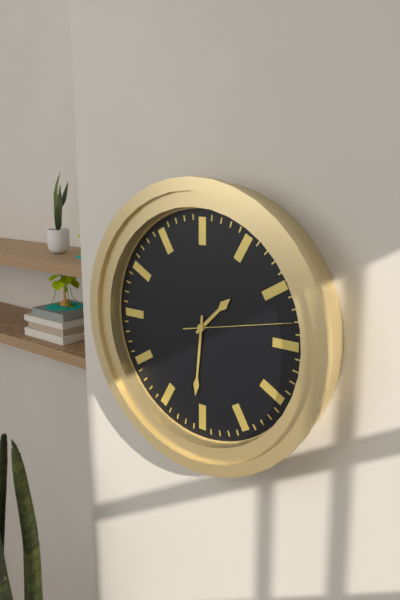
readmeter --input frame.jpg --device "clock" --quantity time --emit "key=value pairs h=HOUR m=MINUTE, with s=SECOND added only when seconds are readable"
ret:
h=1 m=31 s=13
